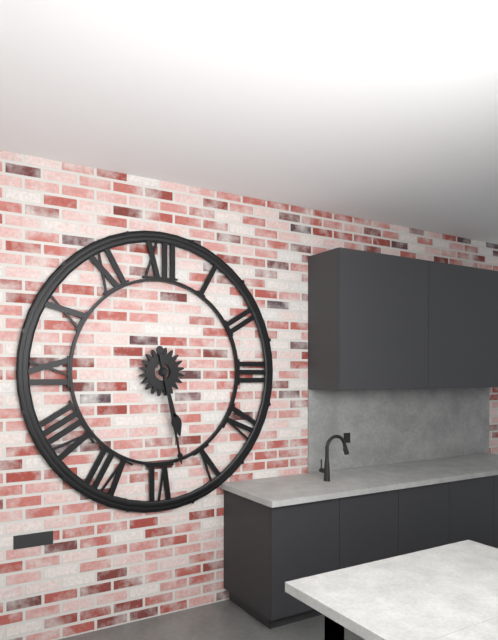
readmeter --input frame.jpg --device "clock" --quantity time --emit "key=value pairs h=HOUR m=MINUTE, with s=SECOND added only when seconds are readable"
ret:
h=5 m=28
